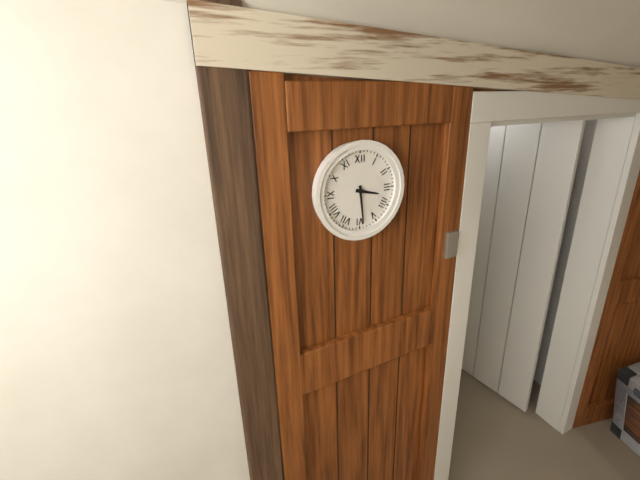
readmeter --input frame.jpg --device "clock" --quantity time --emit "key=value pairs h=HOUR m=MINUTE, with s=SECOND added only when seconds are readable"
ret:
h=3 m=29
